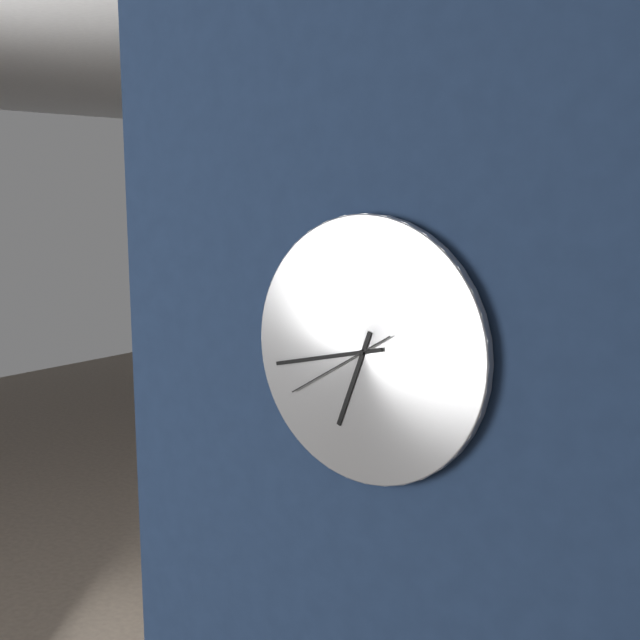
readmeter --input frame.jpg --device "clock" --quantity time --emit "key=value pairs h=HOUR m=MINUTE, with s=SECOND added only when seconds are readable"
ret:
h=6 m=43 s=40
